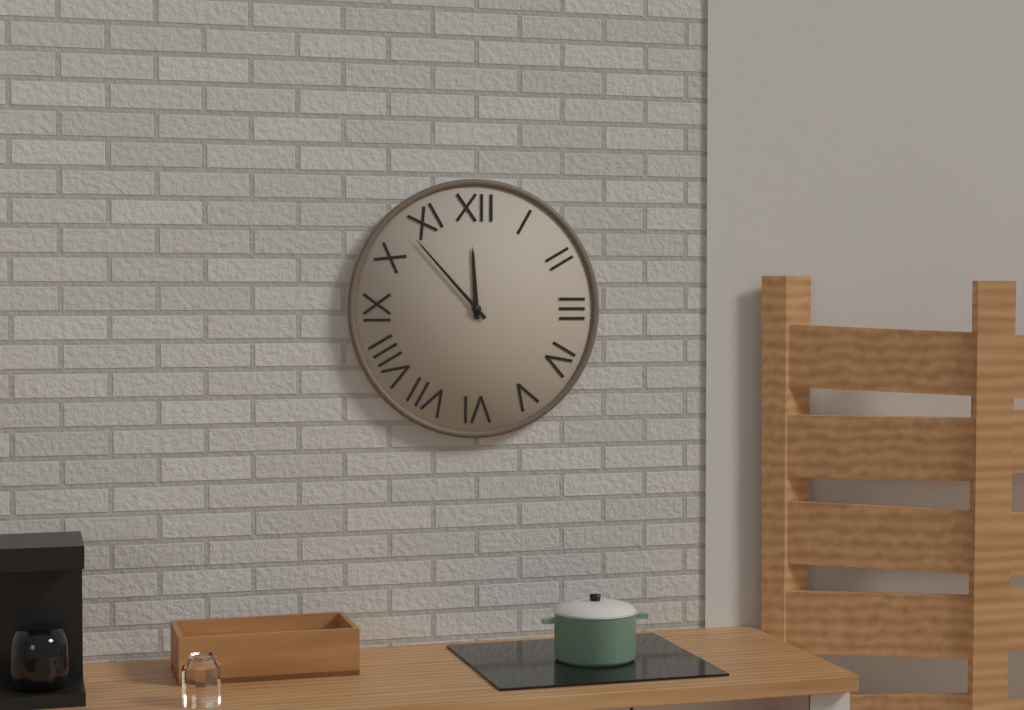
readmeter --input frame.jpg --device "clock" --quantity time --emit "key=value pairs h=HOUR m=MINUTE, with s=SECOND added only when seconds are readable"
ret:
h=11 m=53
